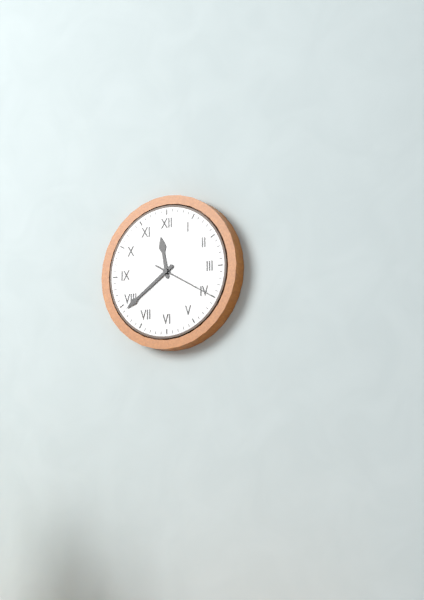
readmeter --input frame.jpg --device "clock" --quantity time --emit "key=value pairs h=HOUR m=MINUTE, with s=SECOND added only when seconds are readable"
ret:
h=11 m=39 s=20
